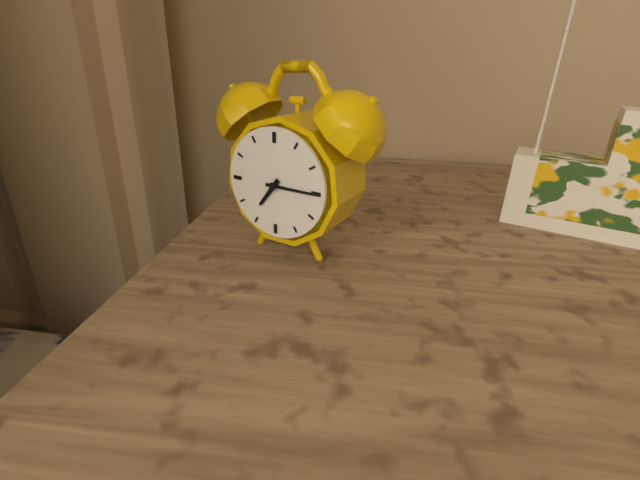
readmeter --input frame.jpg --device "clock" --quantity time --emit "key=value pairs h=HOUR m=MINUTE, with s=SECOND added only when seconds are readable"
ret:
h=7 m=15
